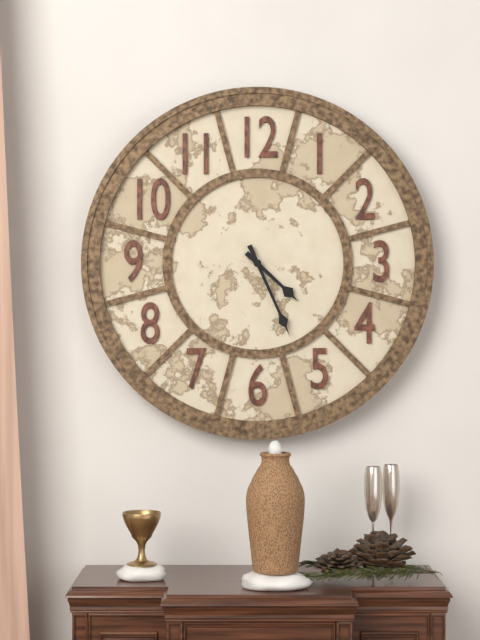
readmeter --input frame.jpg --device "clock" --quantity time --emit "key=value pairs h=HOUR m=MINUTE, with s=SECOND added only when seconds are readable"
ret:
h=4 m=26
